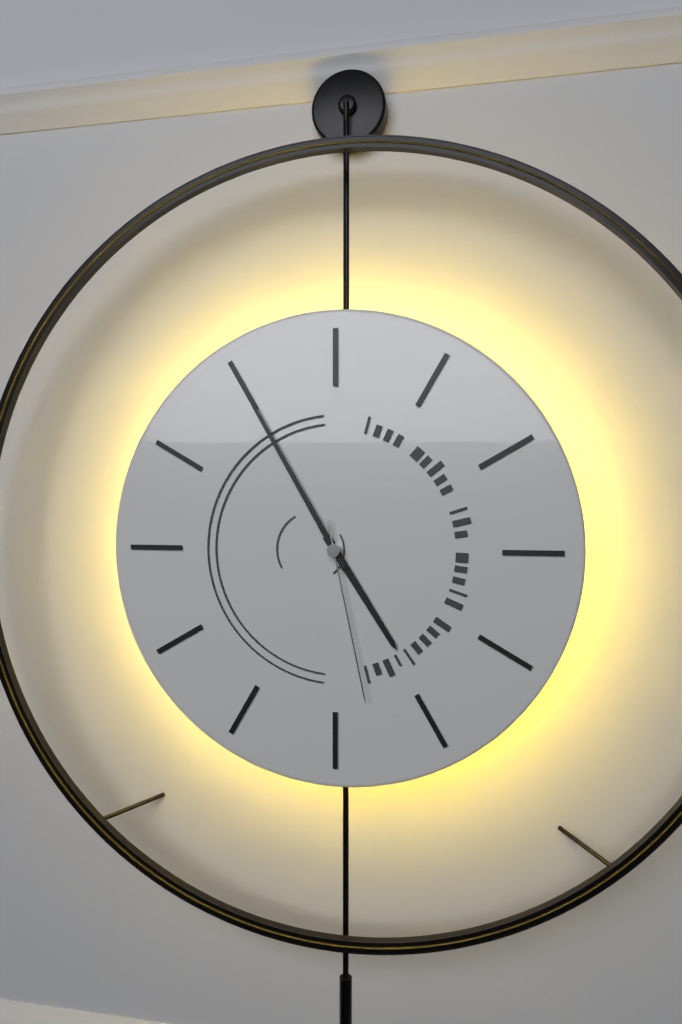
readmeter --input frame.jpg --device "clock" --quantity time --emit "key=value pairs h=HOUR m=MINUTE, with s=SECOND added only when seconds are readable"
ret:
h=4 m=55 s=28
